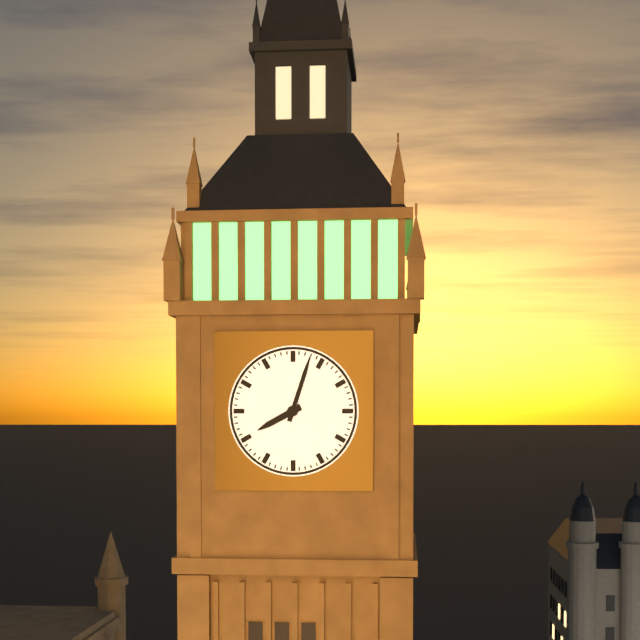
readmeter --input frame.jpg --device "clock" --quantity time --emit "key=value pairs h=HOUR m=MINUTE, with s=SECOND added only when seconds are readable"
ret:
h=8 m=3
